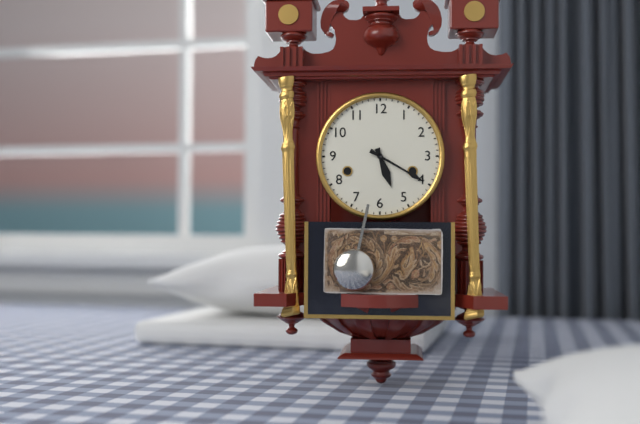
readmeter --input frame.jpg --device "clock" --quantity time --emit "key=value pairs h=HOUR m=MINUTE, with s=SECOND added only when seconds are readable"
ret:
h=5 m=20
